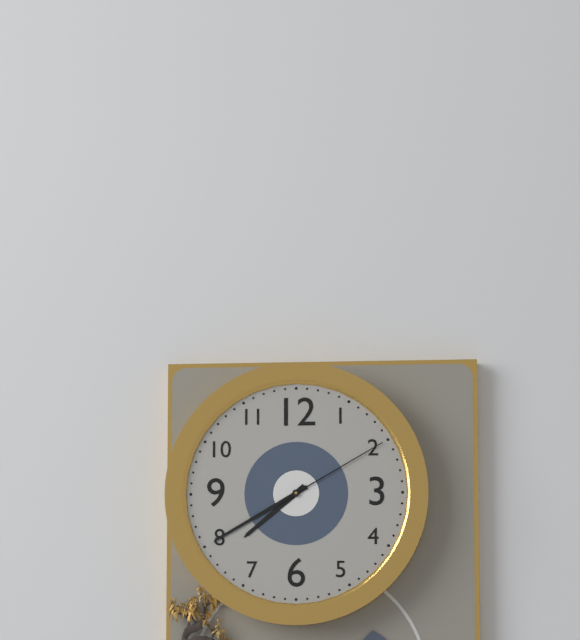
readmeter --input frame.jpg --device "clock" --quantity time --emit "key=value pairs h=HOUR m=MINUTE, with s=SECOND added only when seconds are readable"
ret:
h=7 m=40 s=10
